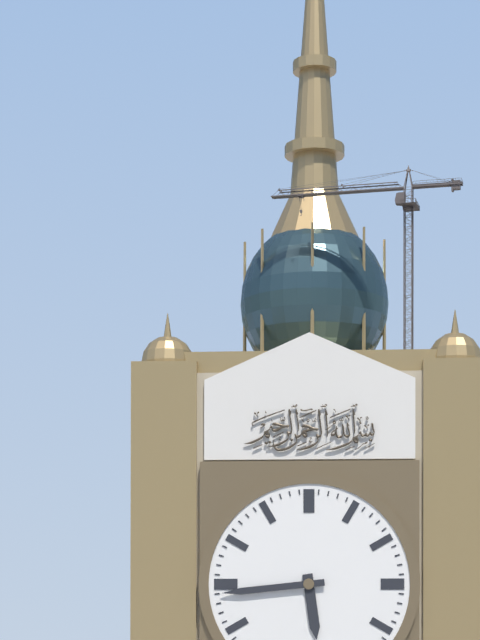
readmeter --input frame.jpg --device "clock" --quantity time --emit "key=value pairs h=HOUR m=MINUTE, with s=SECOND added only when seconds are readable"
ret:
h=5 m=44
